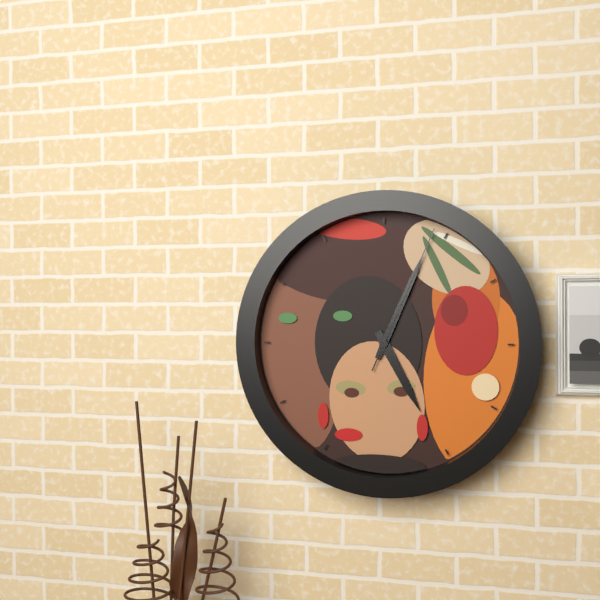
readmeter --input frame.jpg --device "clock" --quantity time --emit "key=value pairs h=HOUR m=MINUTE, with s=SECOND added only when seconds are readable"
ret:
h=5 m=4 s=4
